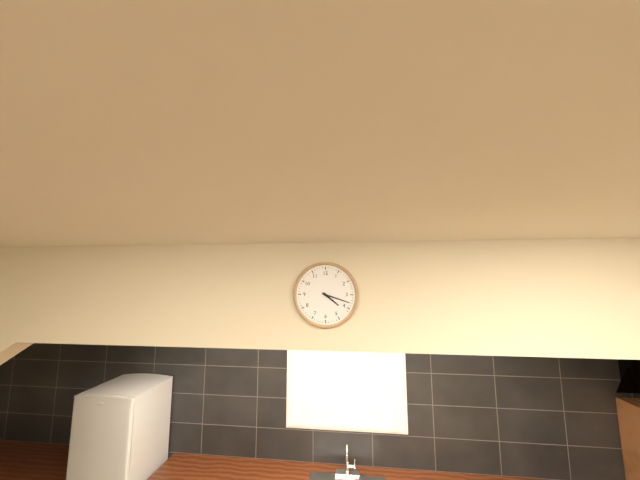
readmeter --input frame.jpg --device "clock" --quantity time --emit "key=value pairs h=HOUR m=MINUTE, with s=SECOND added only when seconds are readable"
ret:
h=4 m=18
